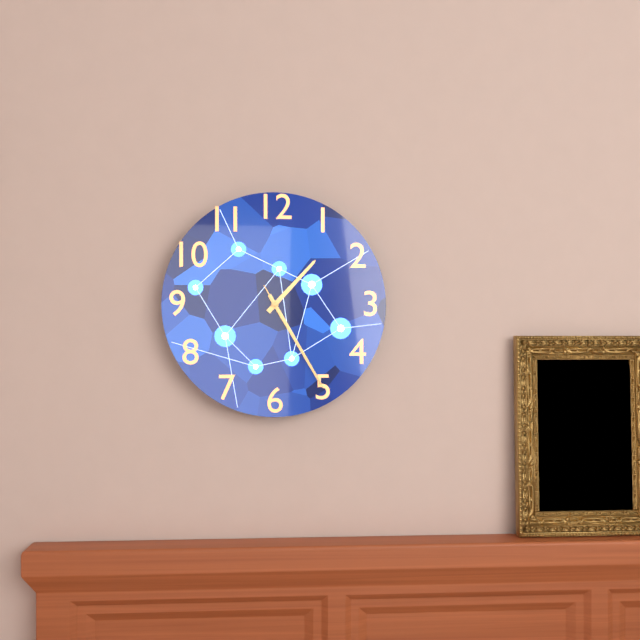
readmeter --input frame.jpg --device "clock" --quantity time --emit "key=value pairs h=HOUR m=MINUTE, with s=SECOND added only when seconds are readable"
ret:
h=1 m=25 s=25
